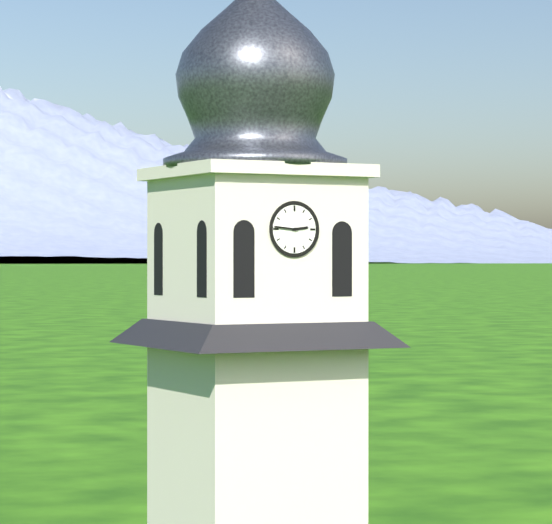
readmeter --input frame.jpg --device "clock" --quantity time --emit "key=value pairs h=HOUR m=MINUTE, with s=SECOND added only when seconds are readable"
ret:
h=2 m=46
